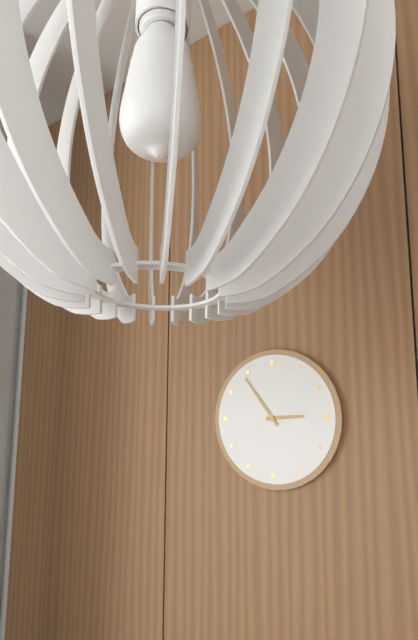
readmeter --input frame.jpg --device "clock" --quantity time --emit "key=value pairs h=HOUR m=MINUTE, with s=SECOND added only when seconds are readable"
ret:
h=2 m=54
